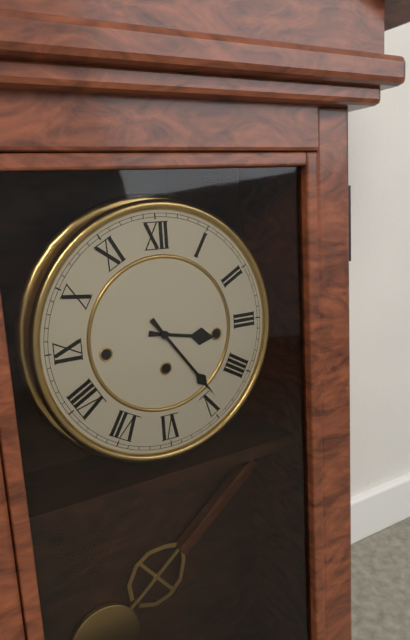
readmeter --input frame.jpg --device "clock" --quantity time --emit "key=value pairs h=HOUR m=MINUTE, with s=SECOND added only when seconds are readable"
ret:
h=3 m=24
